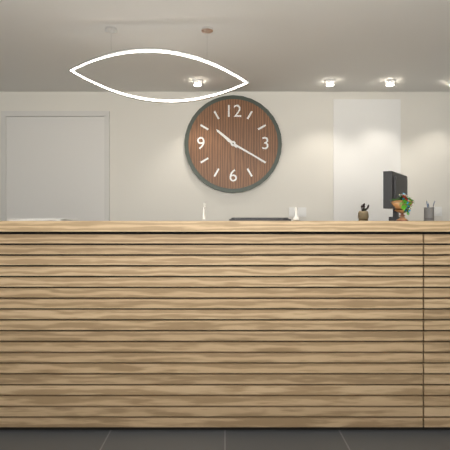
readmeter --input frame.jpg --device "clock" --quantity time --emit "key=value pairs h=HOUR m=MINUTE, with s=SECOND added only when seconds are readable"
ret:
h=10 m=20
